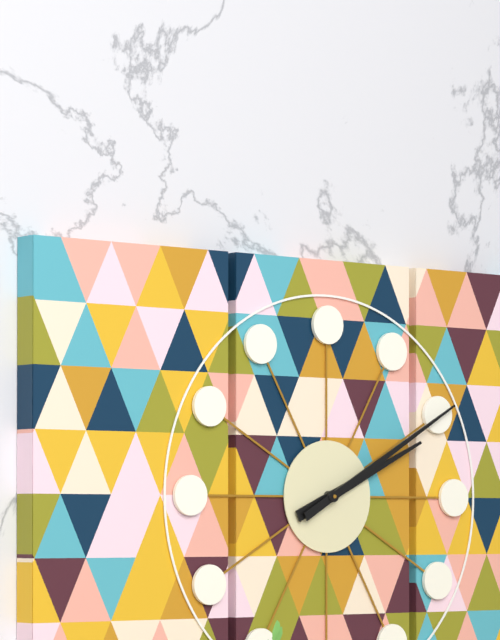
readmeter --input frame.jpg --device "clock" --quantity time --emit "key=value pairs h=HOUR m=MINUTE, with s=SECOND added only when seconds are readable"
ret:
h=2 m=10
